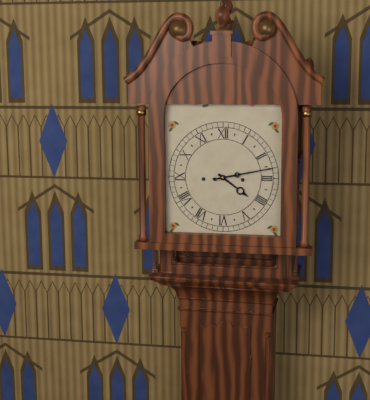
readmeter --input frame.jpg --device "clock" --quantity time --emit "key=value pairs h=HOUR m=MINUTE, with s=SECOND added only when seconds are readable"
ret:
h=4 m=13
